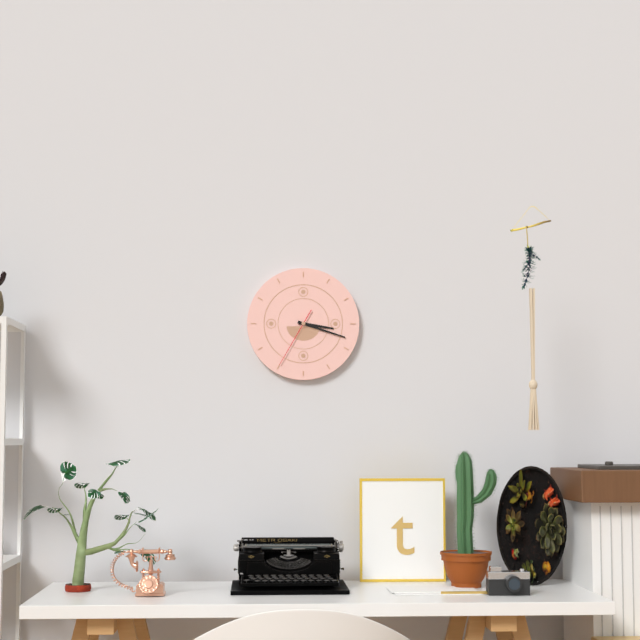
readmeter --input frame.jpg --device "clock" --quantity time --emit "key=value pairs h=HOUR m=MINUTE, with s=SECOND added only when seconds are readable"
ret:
h=3 m=18 s=35
